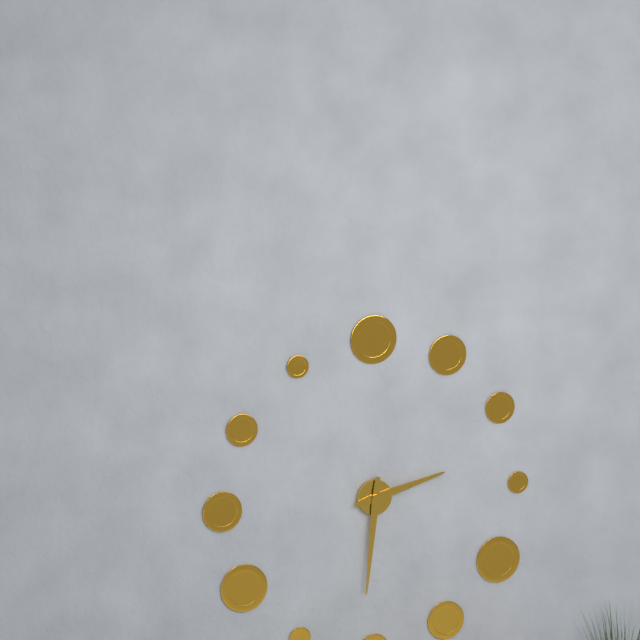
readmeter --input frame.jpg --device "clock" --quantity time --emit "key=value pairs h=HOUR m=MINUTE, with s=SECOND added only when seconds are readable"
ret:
h=2 m=31
